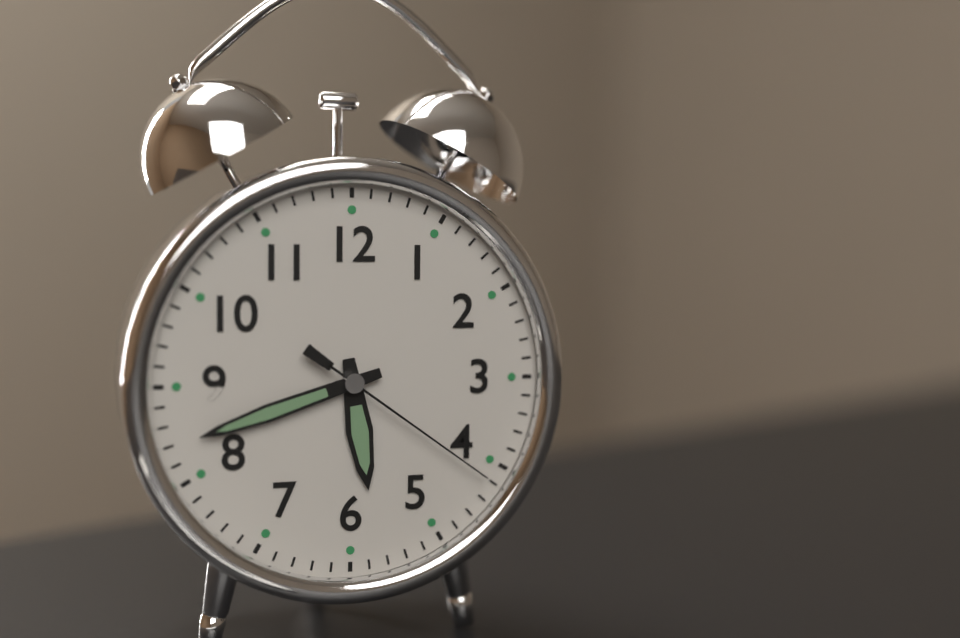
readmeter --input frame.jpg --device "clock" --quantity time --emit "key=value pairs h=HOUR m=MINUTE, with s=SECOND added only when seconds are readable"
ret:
h=5 m=42 s=21
